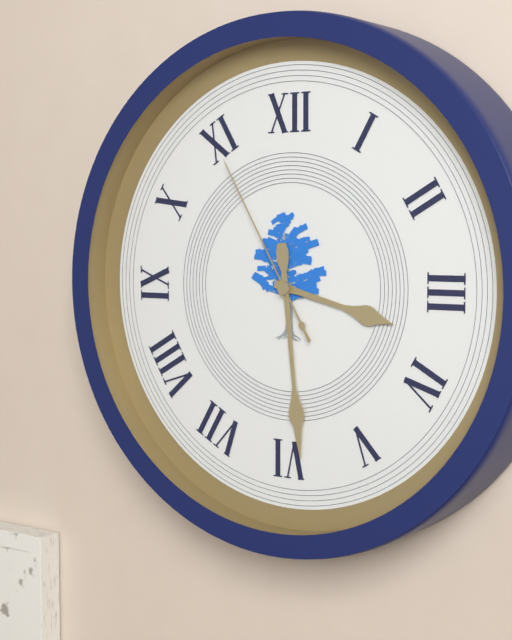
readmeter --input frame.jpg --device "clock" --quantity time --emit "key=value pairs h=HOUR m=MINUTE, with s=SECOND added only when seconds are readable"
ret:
h=3 m=29 s=55
